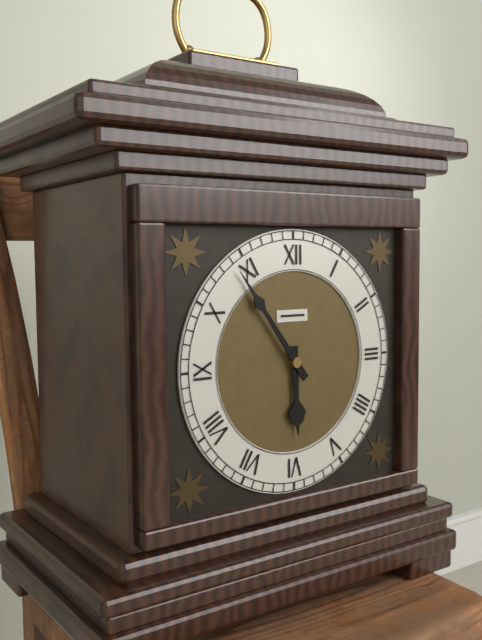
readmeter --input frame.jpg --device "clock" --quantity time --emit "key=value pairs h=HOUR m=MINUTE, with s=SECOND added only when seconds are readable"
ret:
h=5 m=54
